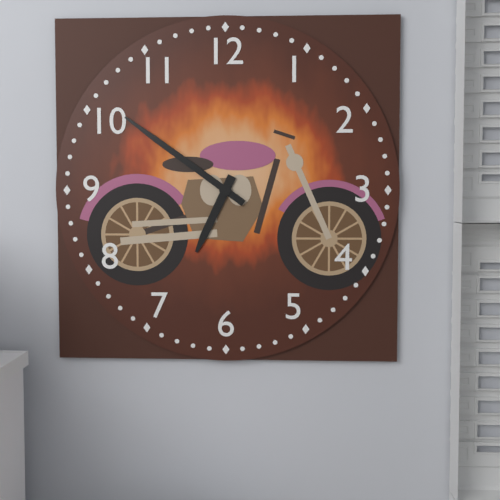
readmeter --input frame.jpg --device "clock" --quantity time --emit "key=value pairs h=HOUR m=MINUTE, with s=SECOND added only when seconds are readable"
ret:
h=6 m=51
